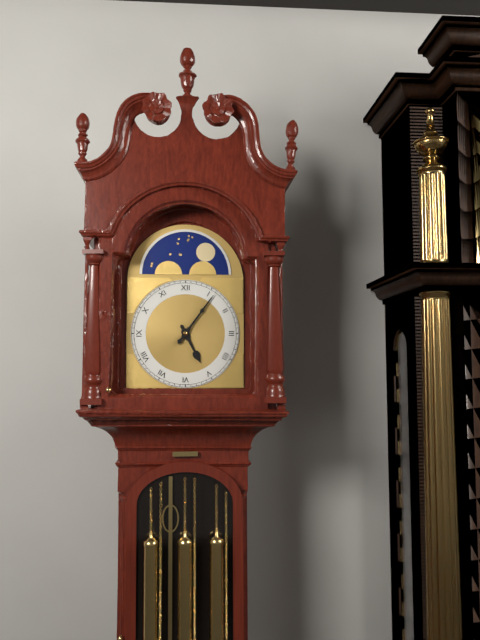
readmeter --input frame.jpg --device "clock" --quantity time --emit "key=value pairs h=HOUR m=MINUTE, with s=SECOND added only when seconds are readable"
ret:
h=5 m=6
